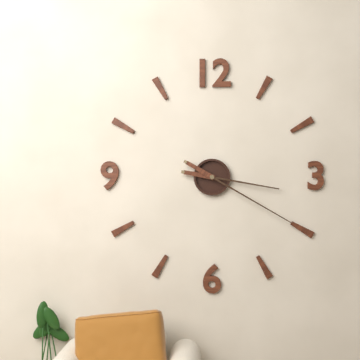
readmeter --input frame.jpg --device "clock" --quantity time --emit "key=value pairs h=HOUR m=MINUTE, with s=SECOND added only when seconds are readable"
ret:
h=3 m=20
